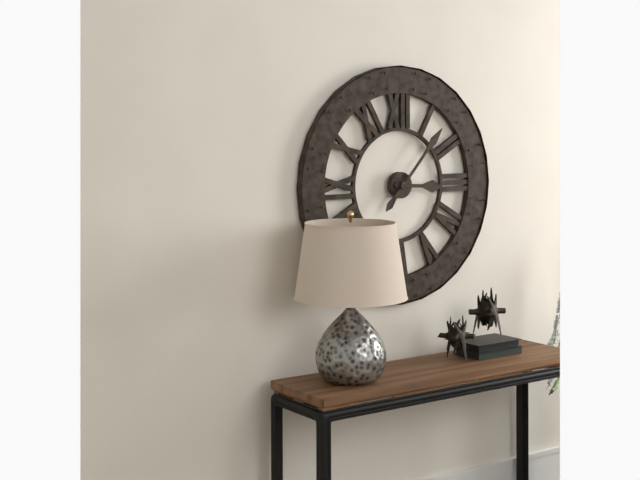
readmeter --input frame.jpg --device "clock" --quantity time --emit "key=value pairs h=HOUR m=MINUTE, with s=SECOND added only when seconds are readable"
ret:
h=3 m=7
